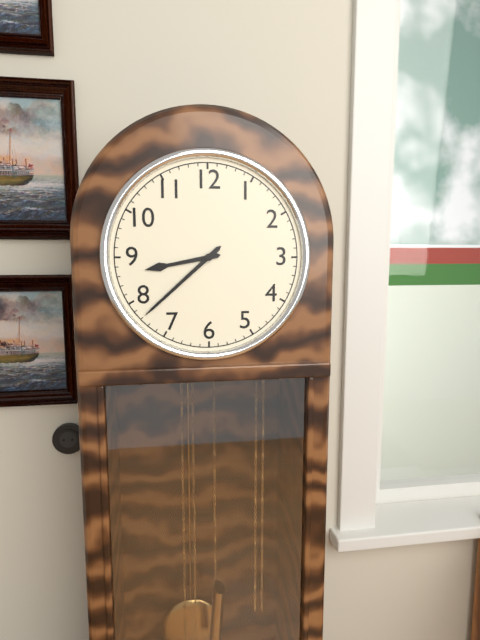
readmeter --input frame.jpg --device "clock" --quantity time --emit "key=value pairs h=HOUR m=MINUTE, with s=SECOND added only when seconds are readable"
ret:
h=8 m=38
